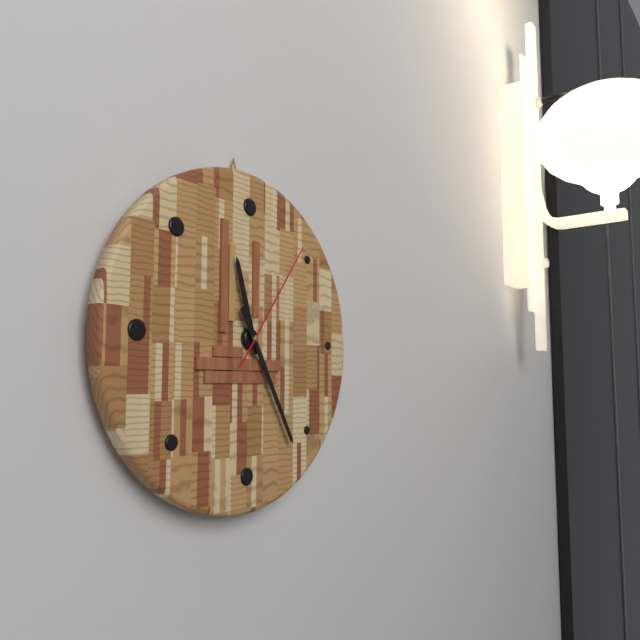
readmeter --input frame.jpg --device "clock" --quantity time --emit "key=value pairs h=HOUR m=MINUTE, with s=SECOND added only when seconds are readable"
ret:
h=11 m=25 s=6
